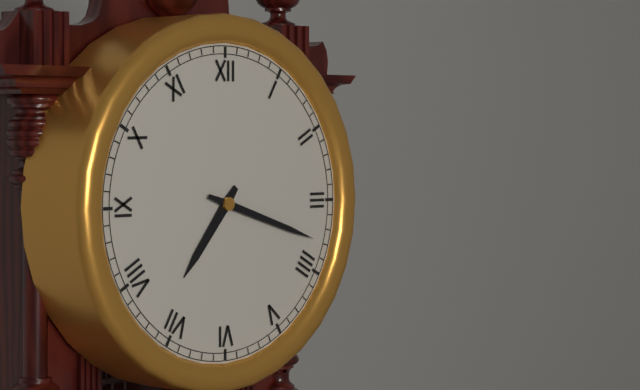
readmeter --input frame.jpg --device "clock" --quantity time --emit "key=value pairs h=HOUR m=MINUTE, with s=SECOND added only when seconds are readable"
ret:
h=7 m=18
